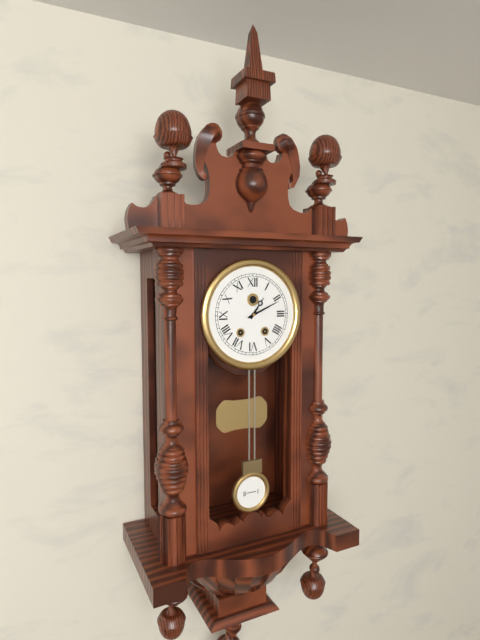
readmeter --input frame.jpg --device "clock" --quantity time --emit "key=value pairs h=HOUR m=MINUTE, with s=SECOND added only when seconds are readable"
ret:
h=1 m=11
